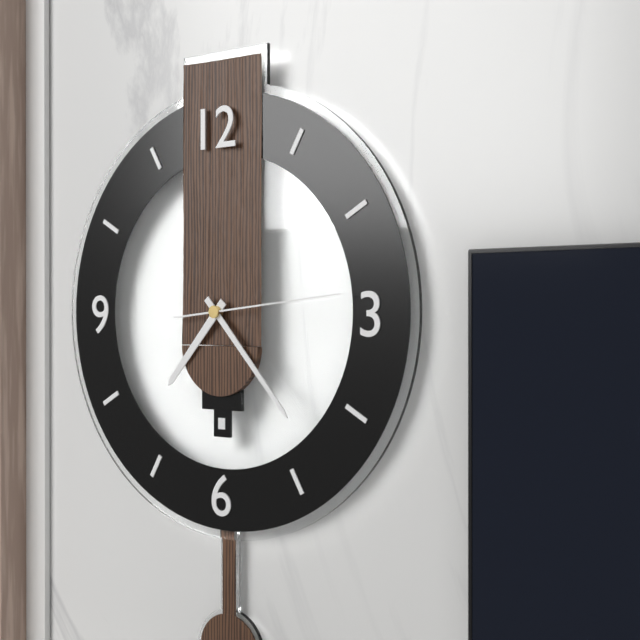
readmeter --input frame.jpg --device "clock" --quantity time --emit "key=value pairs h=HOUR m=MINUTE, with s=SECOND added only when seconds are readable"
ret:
h=7 m=23 s=14
